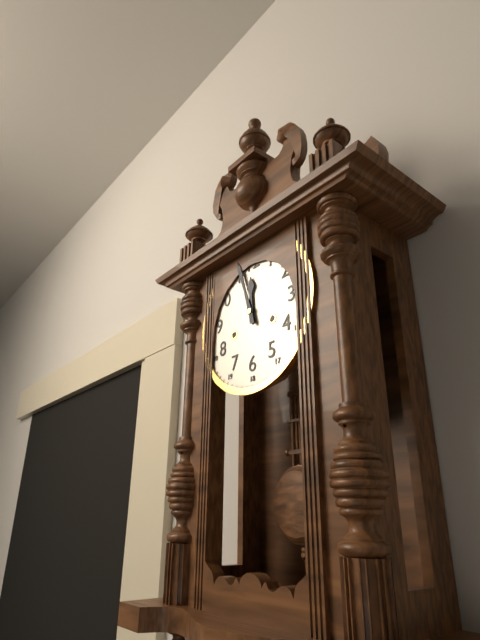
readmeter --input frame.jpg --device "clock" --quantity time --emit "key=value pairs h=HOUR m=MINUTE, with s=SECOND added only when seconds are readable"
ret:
h=11 m=57
